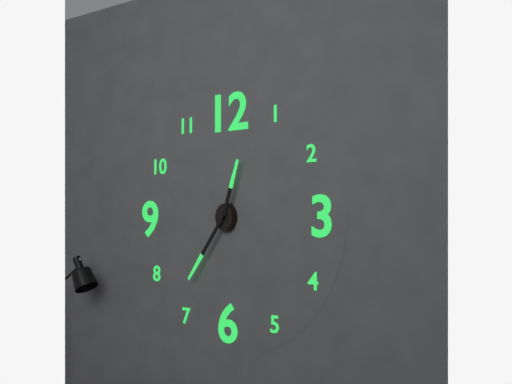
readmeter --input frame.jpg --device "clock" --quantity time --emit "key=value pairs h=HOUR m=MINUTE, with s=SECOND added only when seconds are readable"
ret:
h=12 m=36
